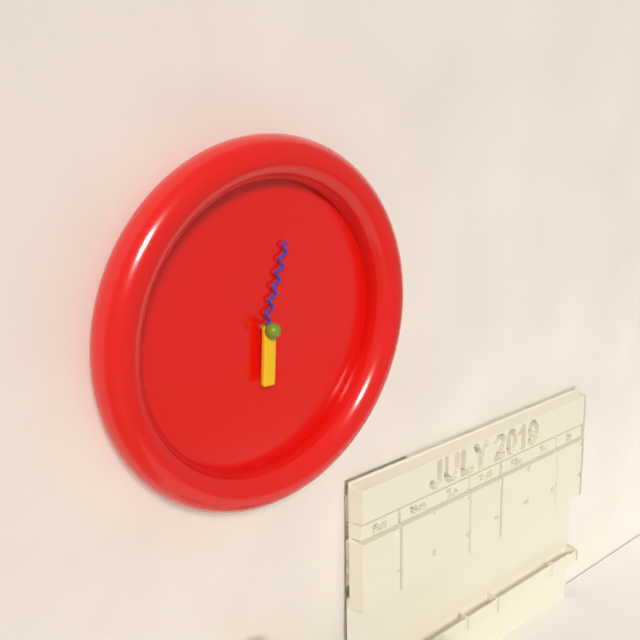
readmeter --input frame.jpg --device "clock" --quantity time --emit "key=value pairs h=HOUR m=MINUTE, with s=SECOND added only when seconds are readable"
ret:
h=6 m=3
